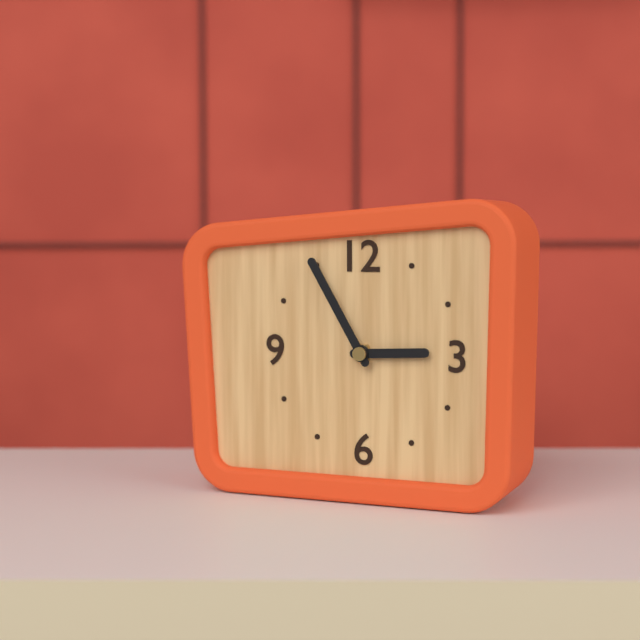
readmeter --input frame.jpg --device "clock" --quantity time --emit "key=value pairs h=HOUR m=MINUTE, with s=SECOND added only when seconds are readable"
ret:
h=2 m=55
